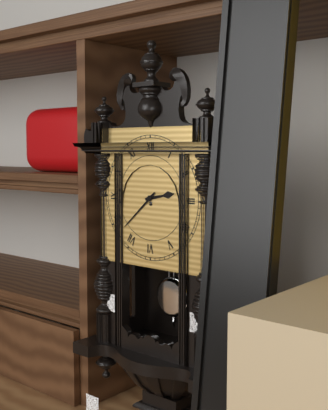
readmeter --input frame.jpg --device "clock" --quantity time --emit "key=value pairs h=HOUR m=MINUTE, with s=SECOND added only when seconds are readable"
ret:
h=2 m=38
